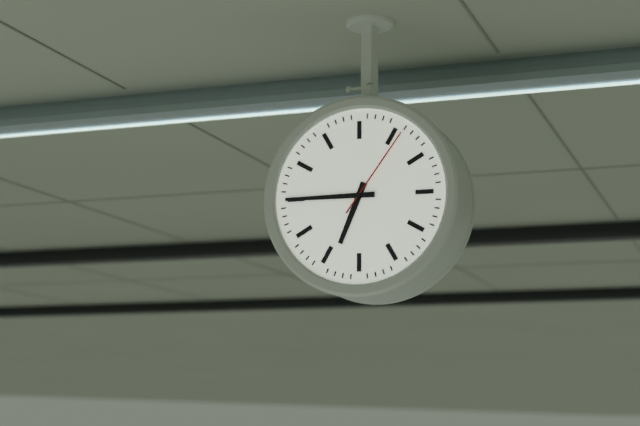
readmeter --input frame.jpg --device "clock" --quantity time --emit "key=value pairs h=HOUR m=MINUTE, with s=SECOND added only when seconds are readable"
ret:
h=6 m=45 s=6
